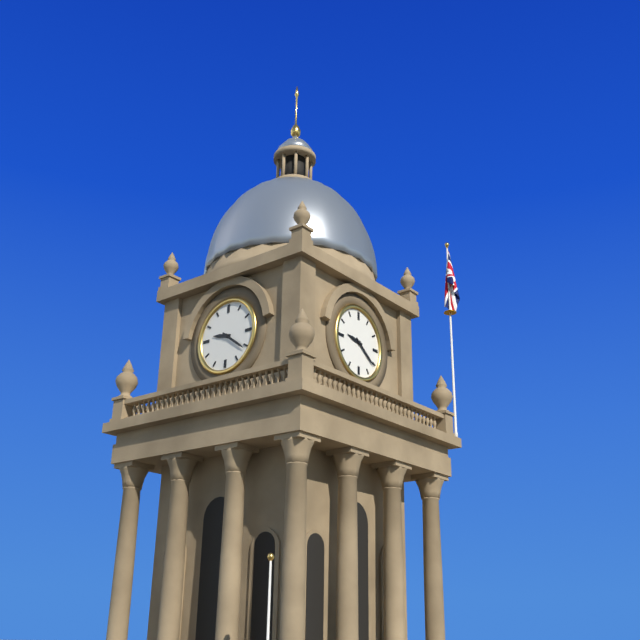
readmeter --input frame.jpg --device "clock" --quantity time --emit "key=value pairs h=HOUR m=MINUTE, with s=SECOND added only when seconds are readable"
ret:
h=9 m=21
